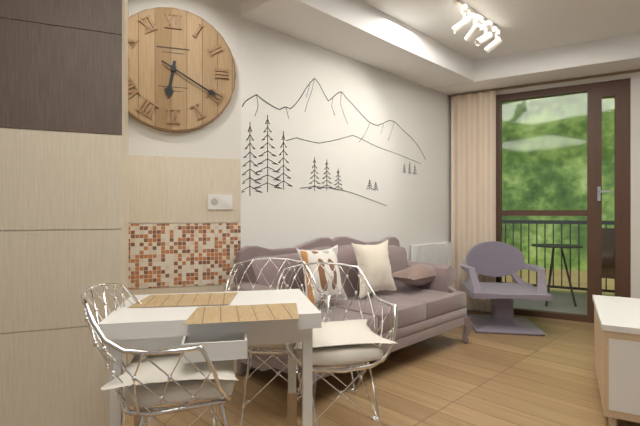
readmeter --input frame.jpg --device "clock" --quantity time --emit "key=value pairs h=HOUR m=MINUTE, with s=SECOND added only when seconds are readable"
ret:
h=6 m=20
